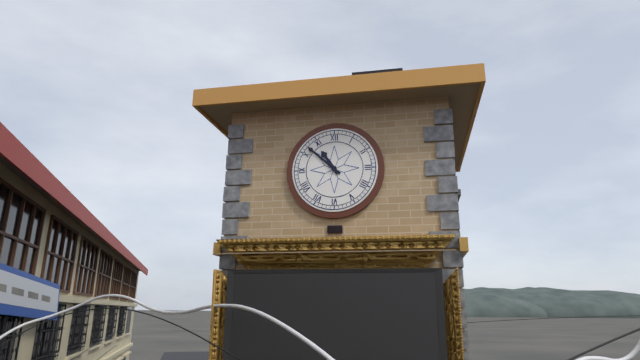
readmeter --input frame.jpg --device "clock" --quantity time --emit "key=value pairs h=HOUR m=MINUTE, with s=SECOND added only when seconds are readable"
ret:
h=10 m=52
